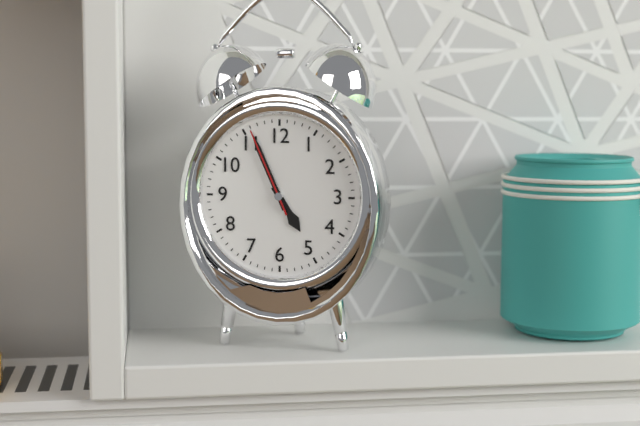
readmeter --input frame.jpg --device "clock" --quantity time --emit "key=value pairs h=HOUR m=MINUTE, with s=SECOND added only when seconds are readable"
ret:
h=4 m=56 s=56
